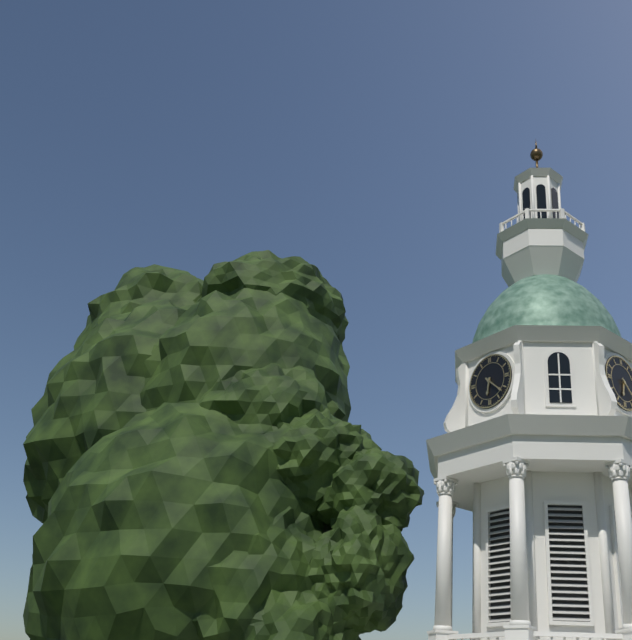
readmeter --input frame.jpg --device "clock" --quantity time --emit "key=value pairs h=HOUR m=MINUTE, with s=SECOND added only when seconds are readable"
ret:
h=6 m=22
